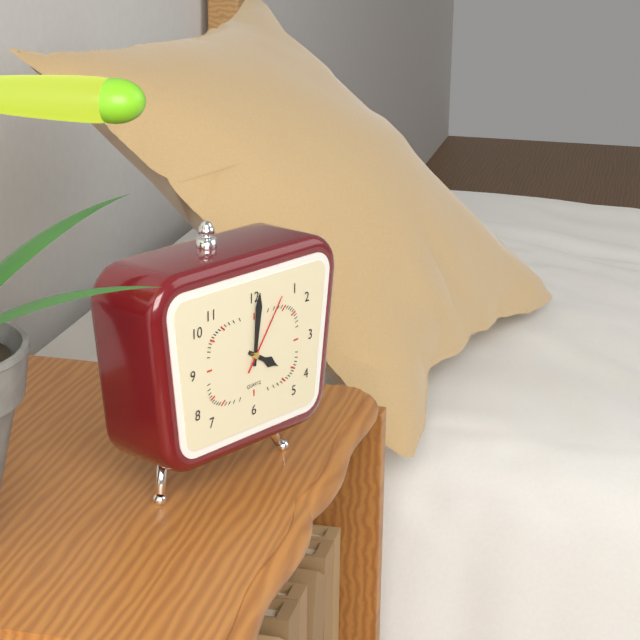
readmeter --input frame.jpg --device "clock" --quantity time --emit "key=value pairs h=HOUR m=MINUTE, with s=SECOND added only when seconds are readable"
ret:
h=4 m=1 s=6
